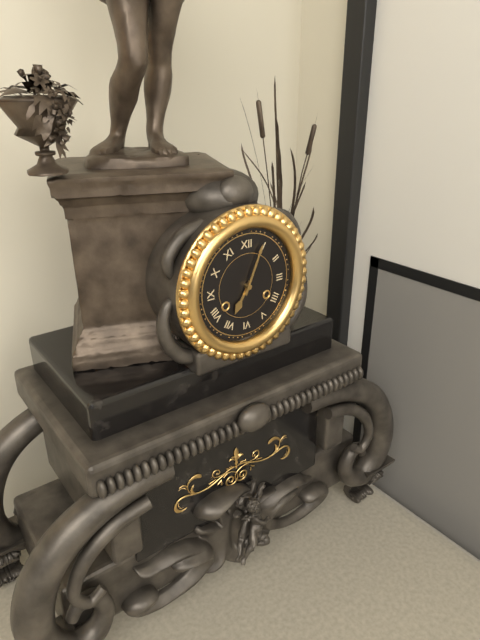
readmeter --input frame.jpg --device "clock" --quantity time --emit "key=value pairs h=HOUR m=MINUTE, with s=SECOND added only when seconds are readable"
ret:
h=7 m=4
